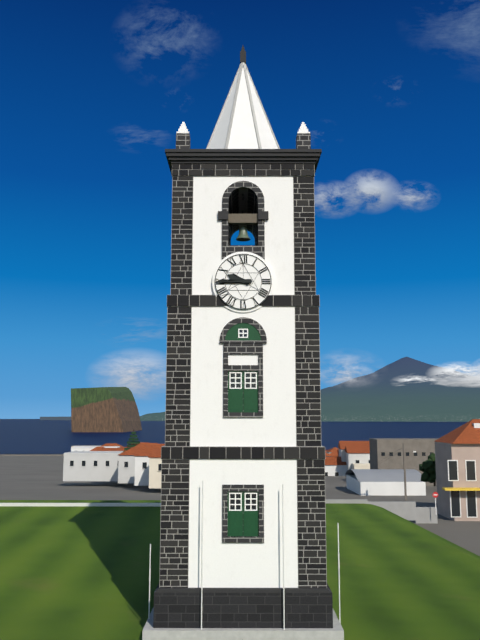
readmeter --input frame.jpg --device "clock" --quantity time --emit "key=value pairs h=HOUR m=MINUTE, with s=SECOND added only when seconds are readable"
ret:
h=9 m=45
